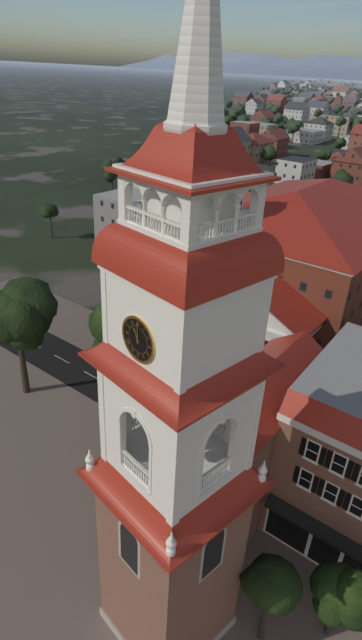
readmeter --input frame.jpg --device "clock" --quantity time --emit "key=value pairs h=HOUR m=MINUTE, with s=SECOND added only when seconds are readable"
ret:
h=11 m=0
